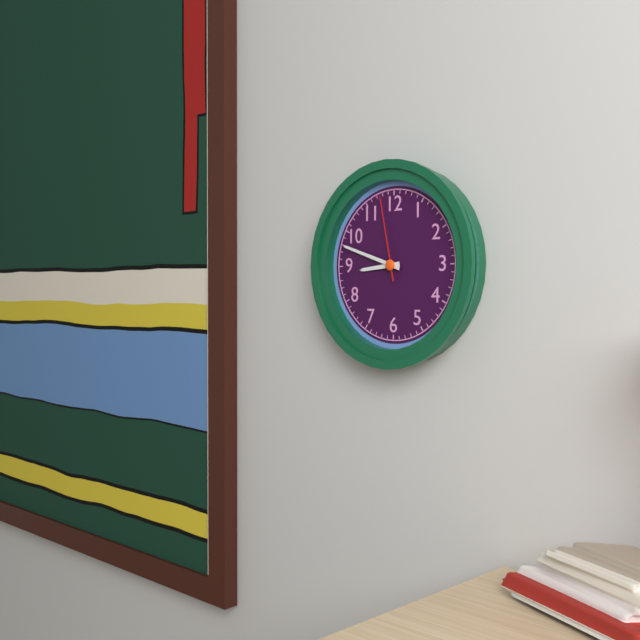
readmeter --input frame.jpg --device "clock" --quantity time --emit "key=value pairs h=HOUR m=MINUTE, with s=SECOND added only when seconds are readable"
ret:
h=8 m=48 s=58
